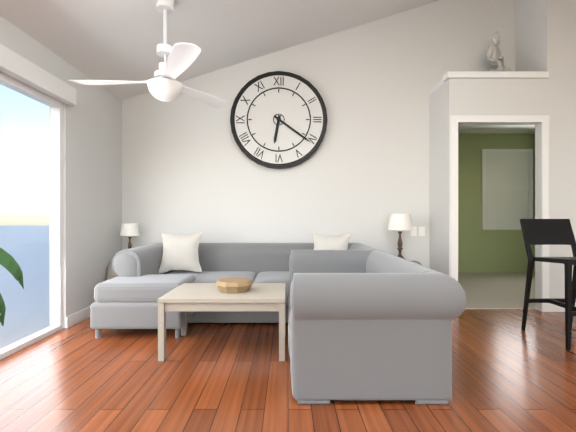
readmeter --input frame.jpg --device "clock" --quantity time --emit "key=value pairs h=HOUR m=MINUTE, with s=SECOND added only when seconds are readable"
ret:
h=6 m=21
